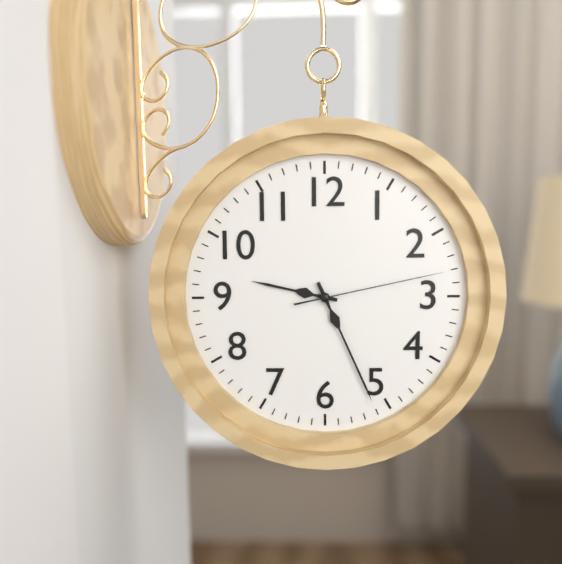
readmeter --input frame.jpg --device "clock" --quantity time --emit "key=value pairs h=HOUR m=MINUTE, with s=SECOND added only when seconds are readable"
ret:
h=9 m=26 s=13
